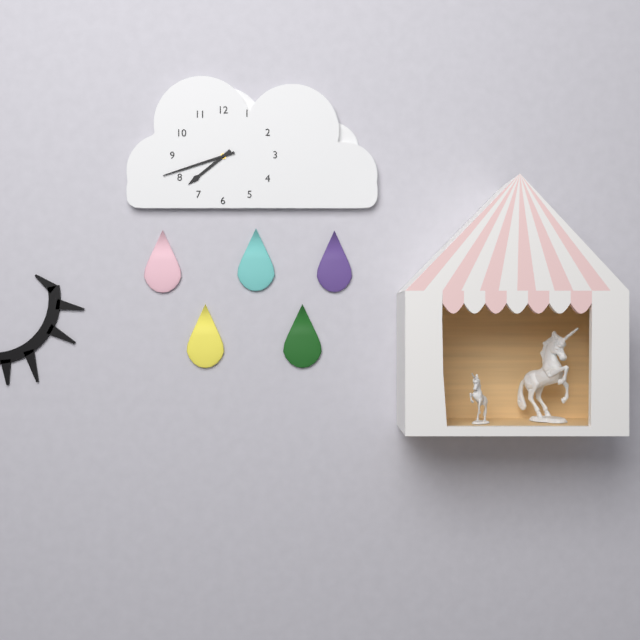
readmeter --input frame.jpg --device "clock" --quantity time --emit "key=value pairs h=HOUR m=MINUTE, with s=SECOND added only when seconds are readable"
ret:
h=7 m=42
